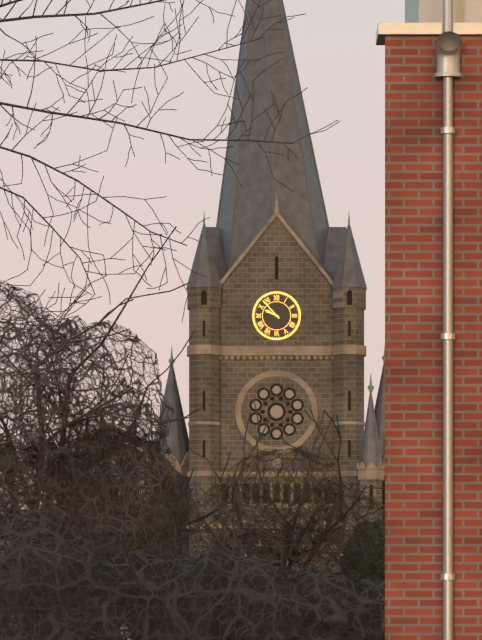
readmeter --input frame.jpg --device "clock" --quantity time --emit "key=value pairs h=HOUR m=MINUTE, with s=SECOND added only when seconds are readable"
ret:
h=9 m=53
